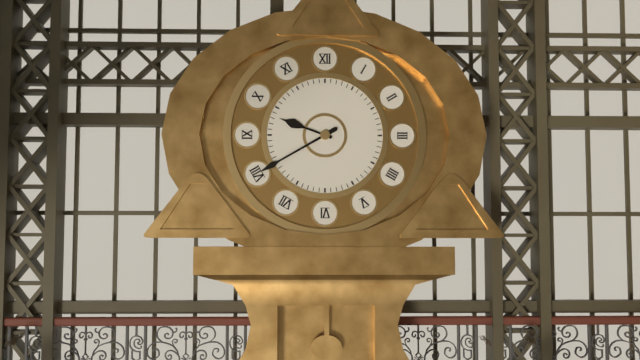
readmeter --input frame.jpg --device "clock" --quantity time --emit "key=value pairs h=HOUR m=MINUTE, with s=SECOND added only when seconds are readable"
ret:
h=9 m=40
